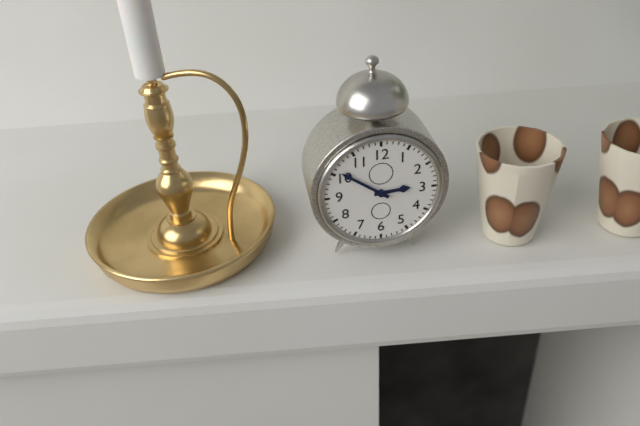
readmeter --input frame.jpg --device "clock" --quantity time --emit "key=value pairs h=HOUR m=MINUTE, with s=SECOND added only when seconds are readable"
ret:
h=2 m=51
